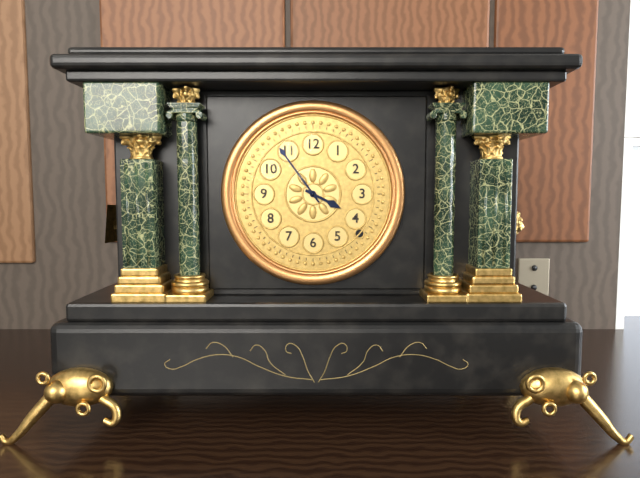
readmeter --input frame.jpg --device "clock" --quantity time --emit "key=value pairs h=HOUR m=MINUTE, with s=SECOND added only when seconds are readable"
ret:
h=3 m=54
